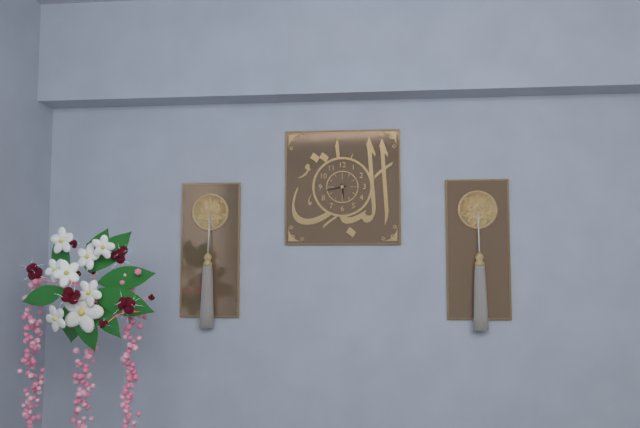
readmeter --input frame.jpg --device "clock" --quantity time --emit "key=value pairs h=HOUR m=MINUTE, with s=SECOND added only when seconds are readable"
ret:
h=5 m=43
